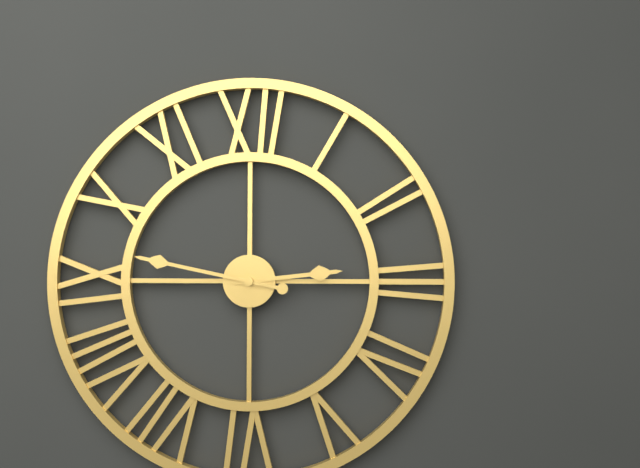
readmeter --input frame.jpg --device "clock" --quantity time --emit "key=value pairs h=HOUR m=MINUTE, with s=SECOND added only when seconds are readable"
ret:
h=2 m=47
